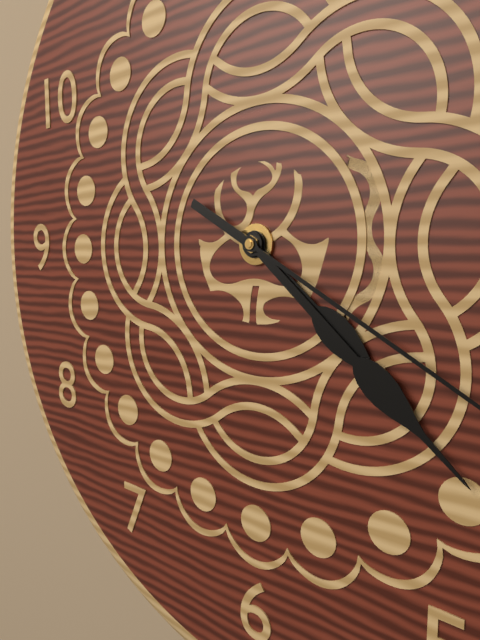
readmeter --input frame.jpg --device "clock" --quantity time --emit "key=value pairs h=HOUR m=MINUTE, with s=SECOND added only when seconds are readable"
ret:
h=4 m=22
